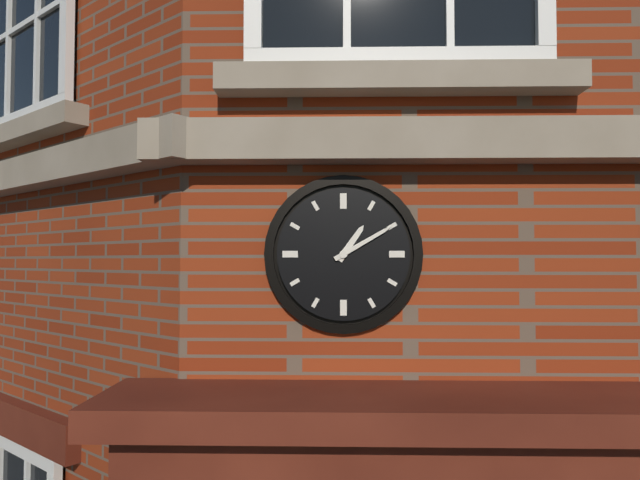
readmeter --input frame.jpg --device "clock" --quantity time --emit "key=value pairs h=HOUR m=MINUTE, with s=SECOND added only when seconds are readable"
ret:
h=1 m=10
